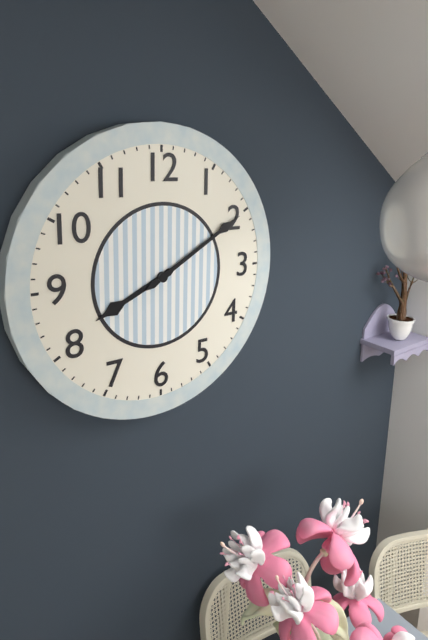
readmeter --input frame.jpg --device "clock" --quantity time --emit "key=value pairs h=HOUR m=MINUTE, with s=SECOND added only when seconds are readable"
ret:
h=8 m=10
